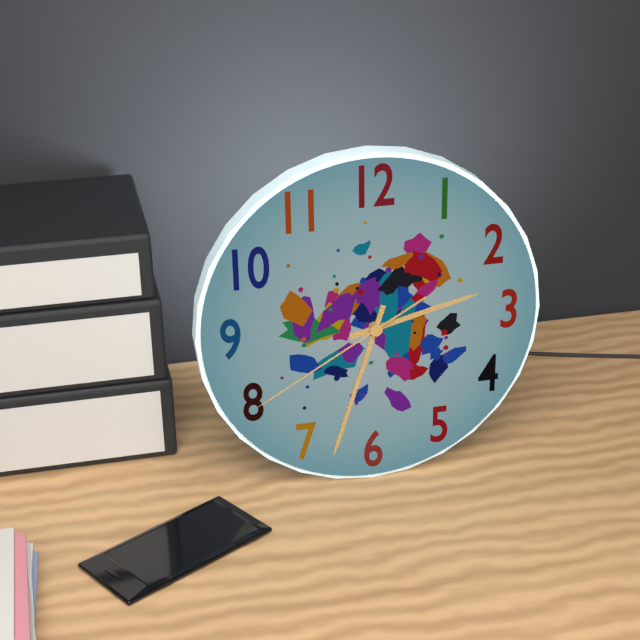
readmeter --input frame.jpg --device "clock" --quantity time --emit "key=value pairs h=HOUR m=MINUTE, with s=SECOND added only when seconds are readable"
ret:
h=2 m=33 s=40
